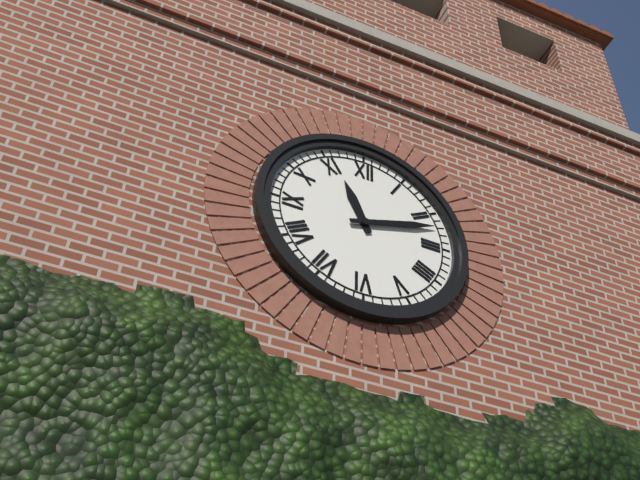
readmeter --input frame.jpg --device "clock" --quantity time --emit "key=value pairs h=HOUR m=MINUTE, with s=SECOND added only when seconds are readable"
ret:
h=11 m=12
